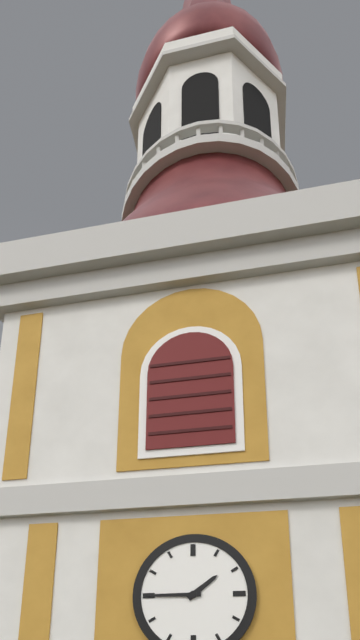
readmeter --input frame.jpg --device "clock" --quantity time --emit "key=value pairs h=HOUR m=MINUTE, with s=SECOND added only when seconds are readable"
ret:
h=1 m=45
